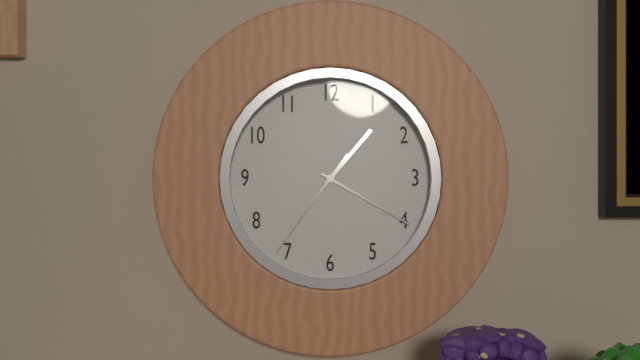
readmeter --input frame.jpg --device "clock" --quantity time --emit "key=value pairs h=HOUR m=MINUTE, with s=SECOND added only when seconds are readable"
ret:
h=1 m=20 s=36
